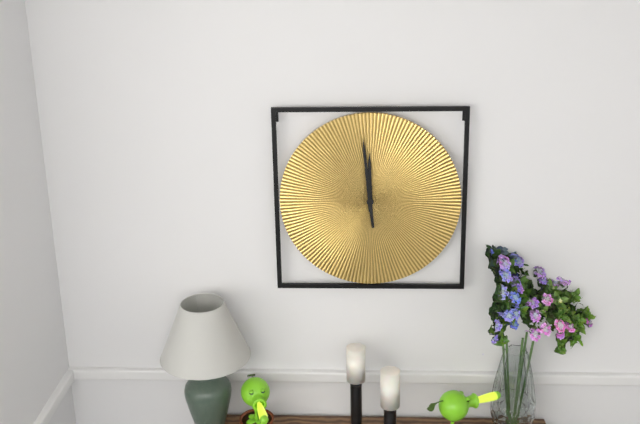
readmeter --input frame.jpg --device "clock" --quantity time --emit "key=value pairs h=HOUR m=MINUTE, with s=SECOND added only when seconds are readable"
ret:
h=11 m=59
